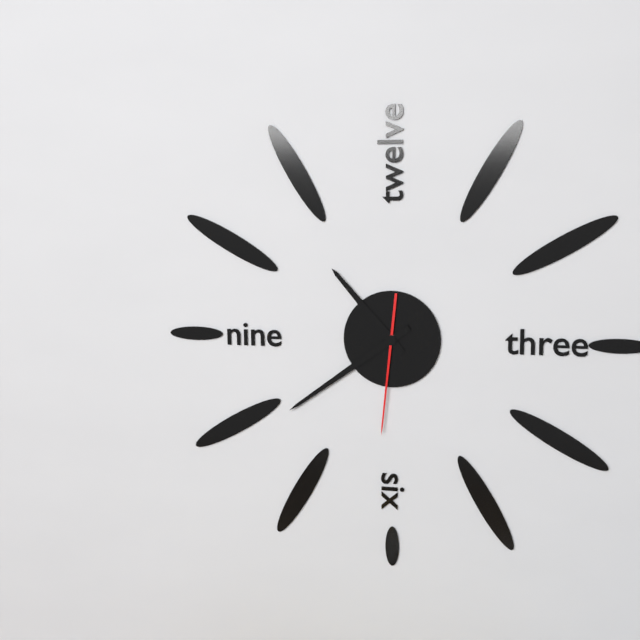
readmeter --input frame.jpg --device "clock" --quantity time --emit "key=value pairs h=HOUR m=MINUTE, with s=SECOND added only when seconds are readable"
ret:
h=10 m=39 s=31
